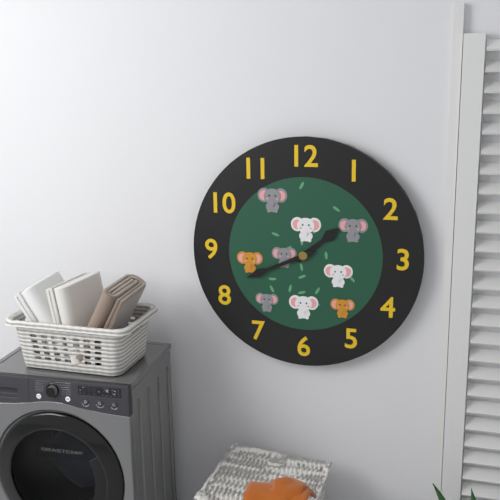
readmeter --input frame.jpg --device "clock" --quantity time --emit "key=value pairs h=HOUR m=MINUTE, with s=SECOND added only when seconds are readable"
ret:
h=1 m=41
